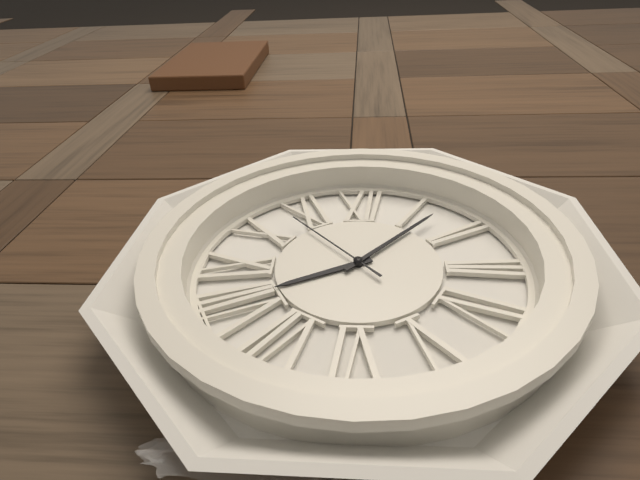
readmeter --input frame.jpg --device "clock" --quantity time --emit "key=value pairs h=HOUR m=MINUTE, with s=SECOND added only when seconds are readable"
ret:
h=8 m=7 s=53
